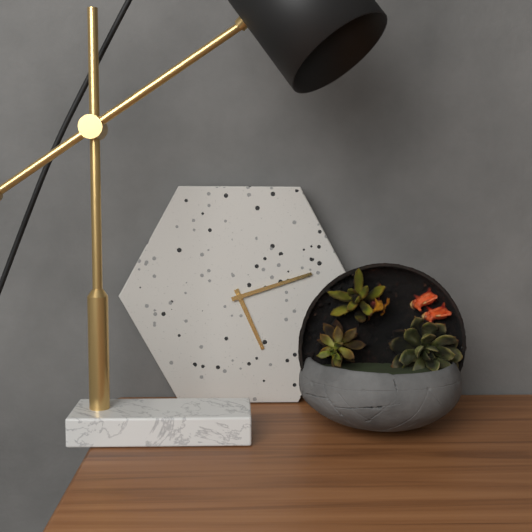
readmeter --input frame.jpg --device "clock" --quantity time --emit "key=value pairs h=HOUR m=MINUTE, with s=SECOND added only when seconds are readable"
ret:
h=5 m=12
